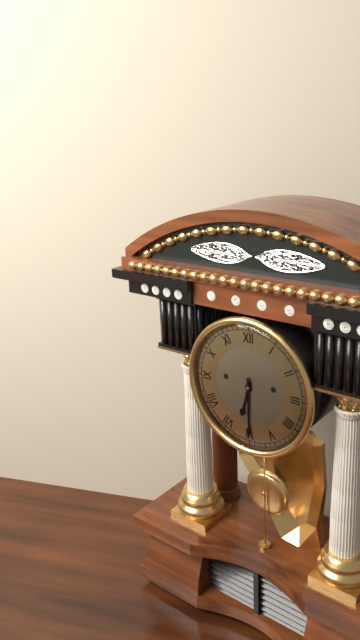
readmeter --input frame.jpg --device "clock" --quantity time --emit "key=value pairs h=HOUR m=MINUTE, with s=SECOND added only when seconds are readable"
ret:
h=6 m=30
